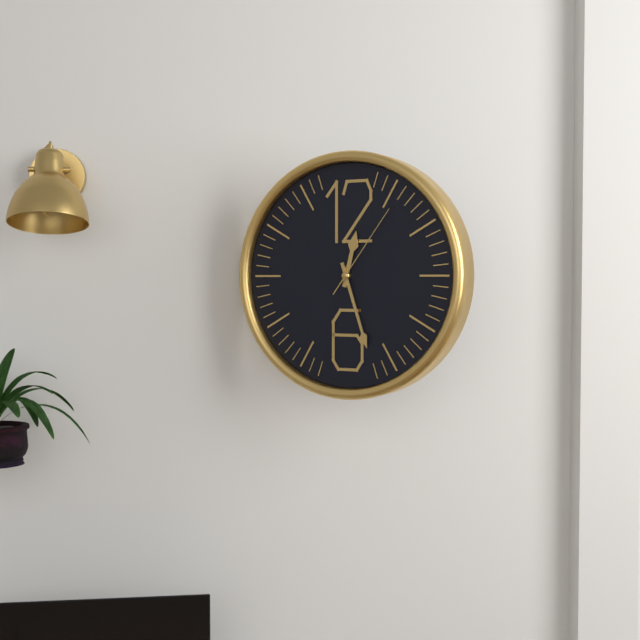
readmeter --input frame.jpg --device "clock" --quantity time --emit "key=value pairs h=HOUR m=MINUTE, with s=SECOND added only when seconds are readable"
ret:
h=12 m=27 s=6
